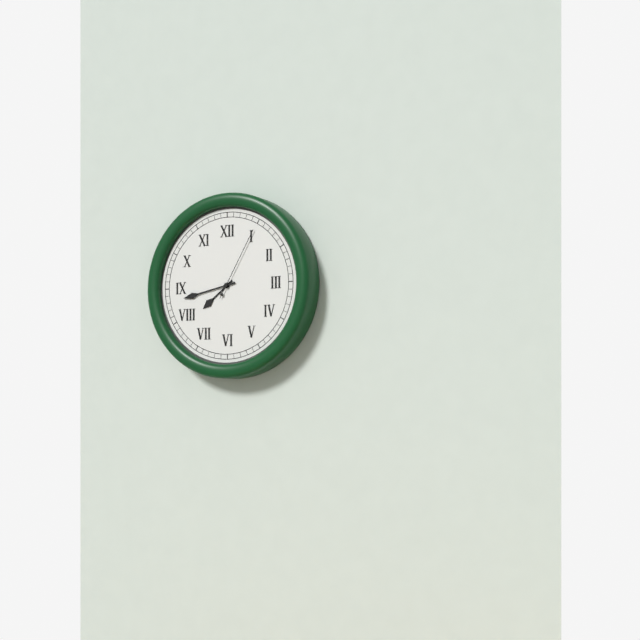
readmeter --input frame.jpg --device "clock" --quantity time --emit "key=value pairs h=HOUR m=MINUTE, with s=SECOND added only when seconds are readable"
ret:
h=7 m=43 s=5
